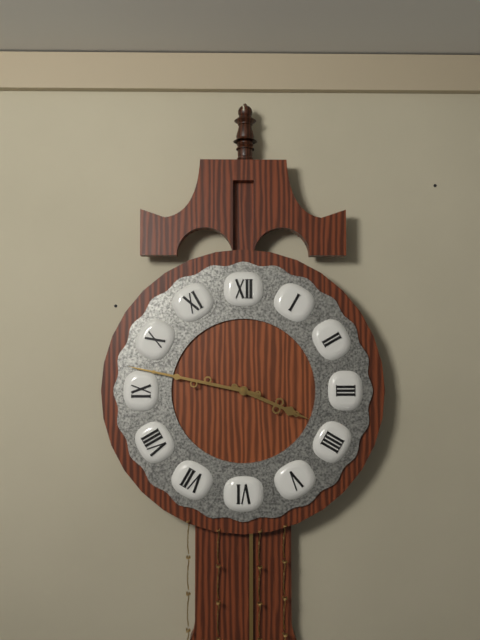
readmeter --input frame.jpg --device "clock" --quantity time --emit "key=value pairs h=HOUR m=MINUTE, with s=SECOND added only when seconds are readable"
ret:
h=3 m=47
